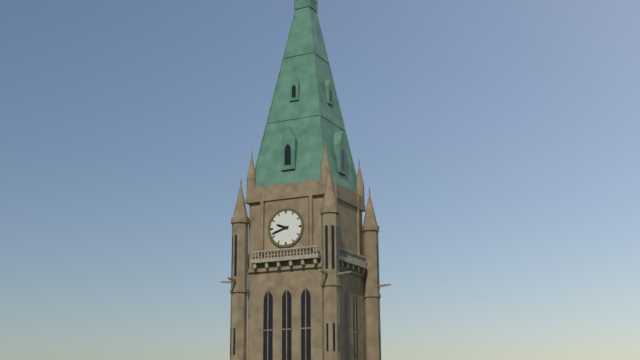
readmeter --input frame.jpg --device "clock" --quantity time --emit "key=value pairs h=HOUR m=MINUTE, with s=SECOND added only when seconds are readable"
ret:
h=9 m=42
